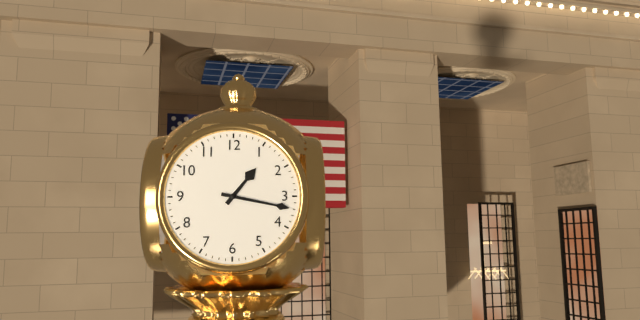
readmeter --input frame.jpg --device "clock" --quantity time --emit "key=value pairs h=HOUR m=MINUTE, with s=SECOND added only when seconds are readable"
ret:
h=1 m=17
